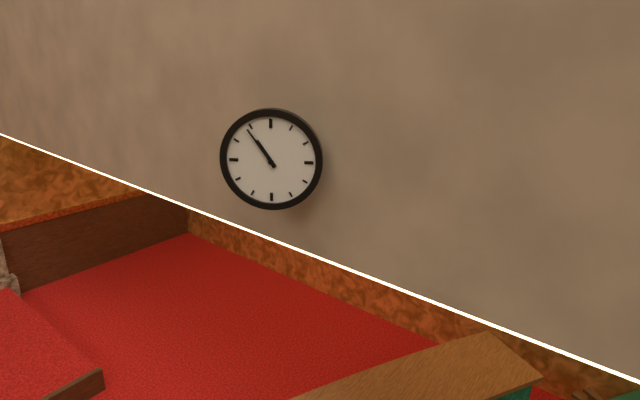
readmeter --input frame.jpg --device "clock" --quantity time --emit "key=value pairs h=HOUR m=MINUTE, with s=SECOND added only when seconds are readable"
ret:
h=10 m=54
